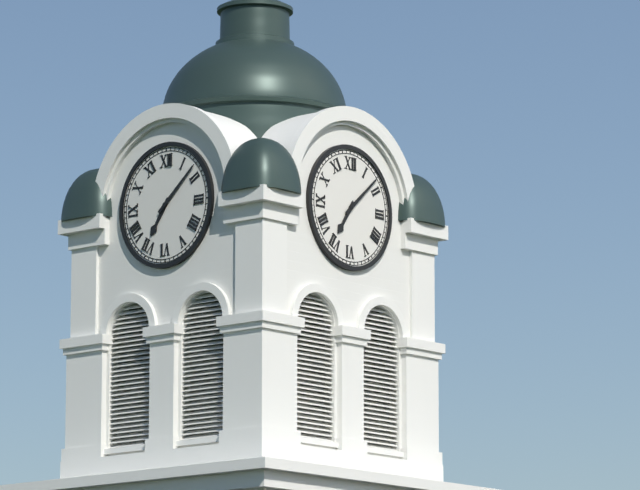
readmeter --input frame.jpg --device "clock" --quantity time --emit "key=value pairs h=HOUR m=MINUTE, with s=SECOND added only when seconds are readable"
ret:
h=7 m=8
